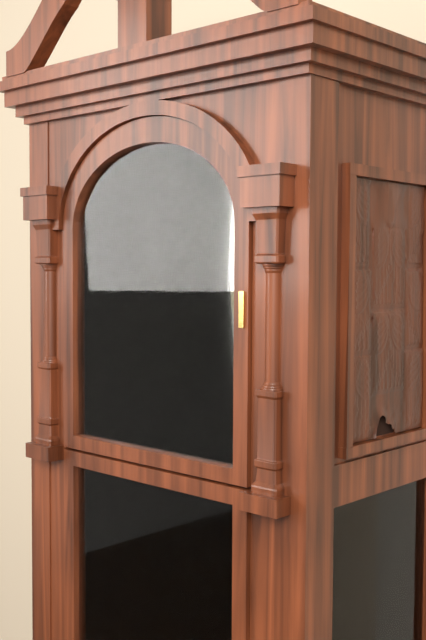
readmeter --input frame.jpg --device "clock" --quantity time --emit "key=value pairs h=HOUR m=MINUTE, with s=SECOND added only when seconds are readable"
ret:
h=8 m=20
